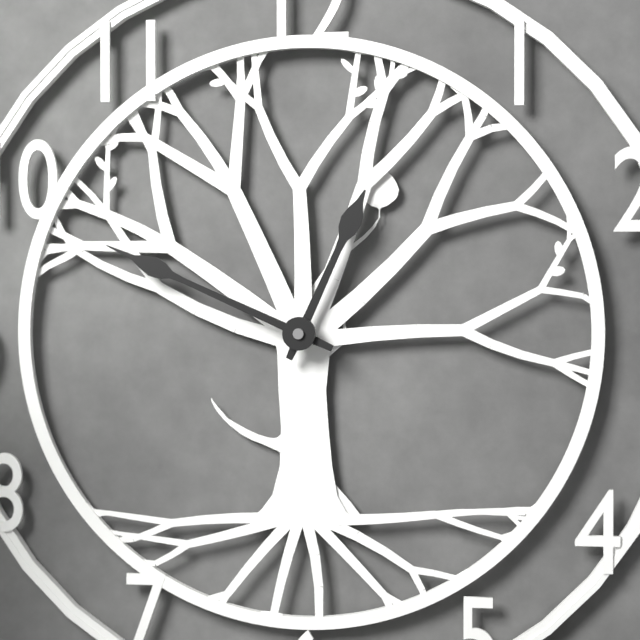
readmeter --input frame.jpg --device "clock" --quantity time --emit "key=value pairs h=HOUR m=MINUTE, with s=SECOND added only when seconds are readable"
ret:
h=12 m=49
